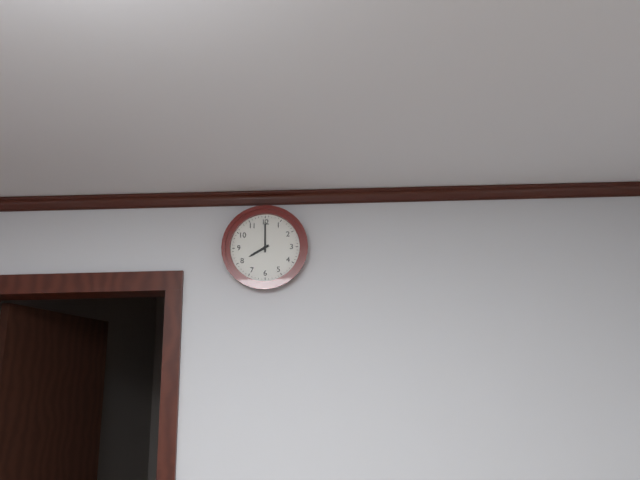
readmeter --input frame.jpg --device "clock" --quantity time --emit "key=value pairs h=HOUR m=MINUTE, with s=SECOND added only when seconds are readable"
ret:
h=8 m=0
